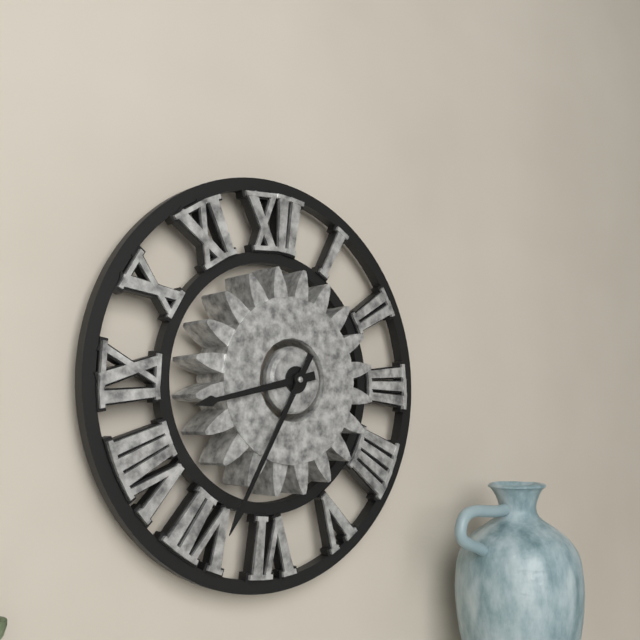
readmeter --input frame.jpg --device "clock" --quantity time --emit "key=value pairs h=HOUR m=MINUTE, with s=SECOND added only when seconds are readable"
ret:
h=8 m=35
